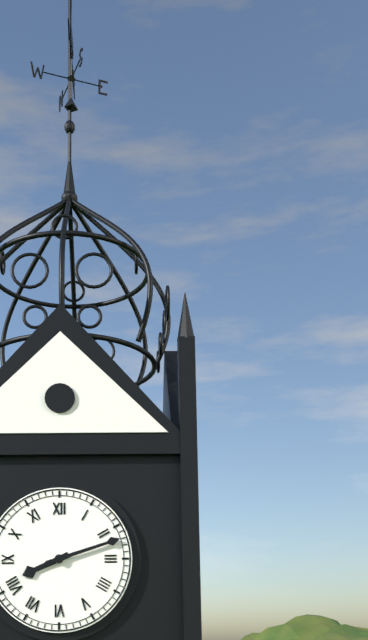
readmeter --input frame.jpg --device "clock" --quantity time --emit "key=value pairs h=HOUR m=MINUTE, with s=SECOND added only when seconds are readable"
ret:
h=8 m=12
